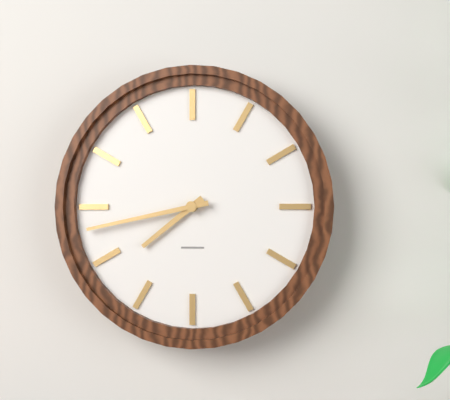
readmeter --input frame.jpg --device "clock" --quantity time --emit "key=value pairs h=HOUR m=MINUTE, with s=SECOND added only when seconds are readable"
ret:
h=7 m=43
